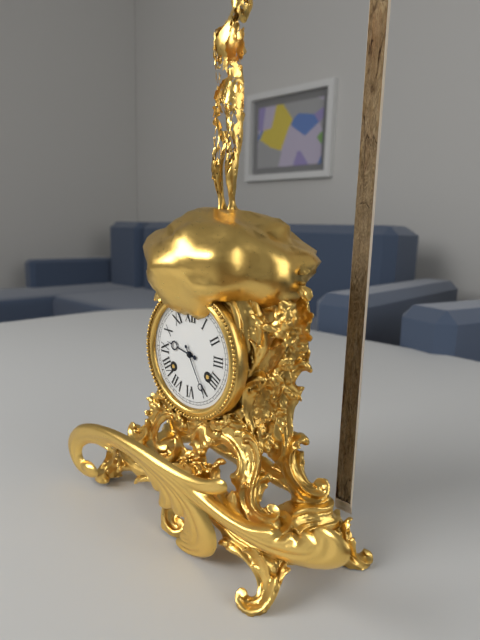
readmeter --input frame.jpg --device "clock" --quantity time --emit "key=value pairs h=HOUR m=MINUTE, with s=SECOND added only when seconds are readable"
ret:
h=9 m=25
